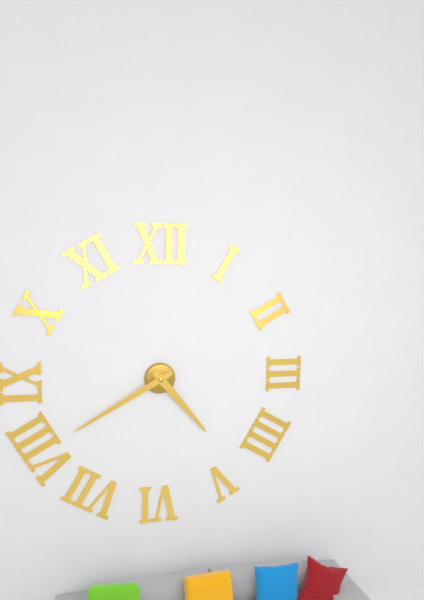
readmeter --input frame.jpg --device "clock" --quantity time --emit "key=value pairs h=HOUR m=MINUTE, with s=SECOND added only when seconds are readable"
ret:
h=4 m=40
